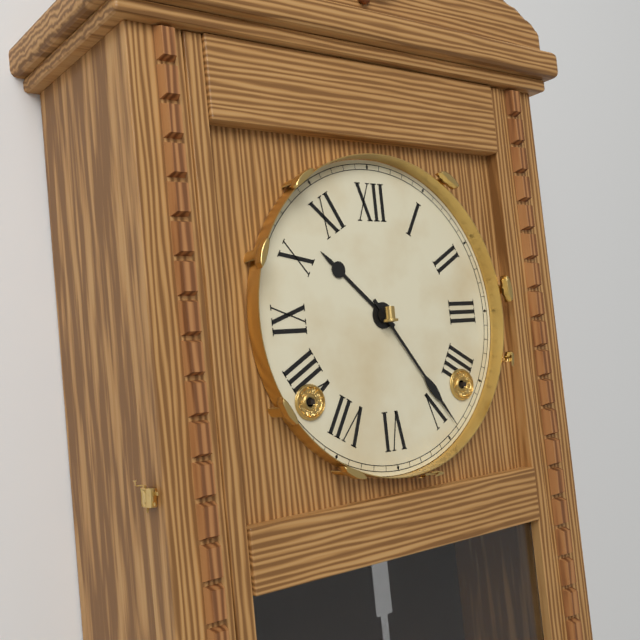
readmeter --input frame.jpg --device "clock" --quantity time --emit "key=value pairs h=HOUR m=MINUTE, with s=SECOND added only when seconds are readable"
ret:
h=10 m=24
